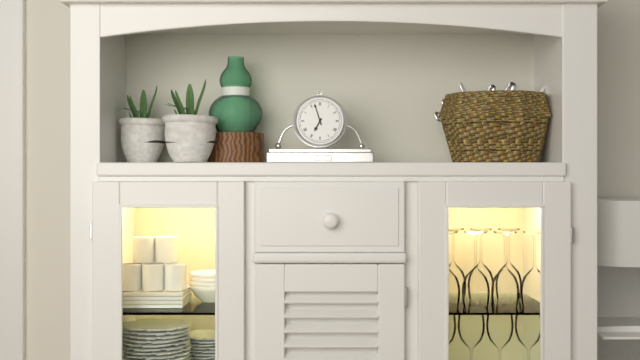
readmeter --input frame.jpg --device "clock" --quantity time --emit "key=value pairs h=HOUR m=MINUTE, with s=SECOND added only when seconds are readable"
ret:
h=6 m=57
